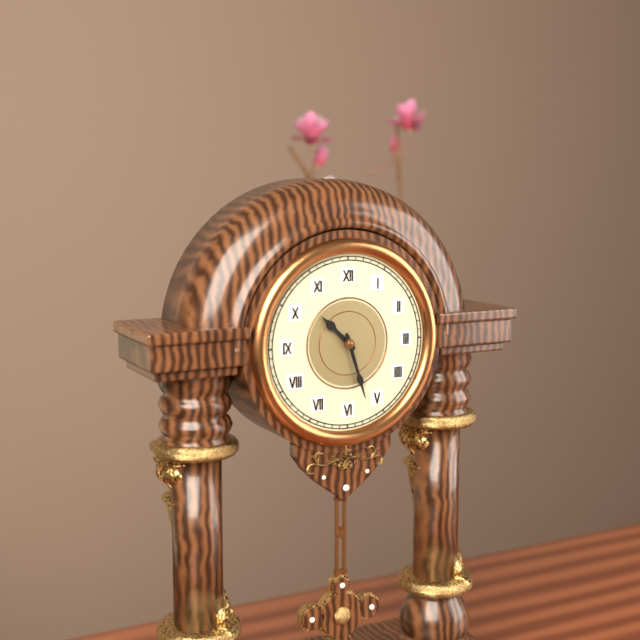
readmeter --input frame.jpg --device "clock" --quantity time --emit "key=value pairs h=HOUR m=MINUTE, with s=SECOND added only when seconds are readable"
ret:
h=10 m=27
